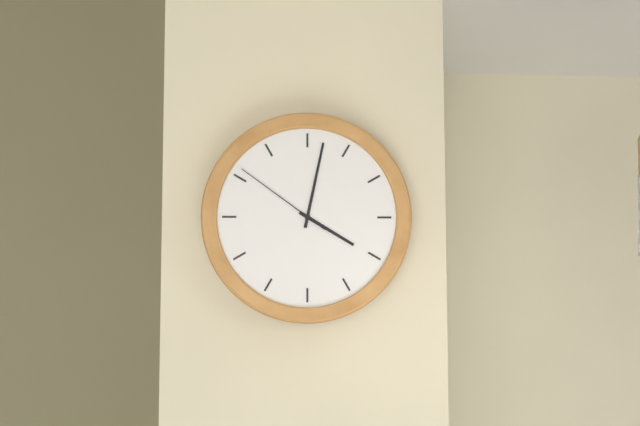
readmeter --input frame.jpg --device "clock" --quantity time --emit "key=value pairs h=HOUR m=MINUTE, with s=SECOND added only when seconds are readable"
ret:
h=4 m=2 s=51
